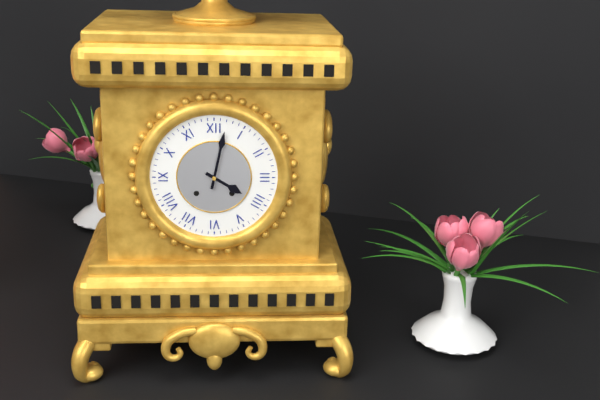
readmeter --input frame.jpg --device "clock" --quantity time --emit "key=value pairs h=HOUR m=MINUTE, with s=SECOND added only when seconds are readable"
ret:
h=4 m=2
